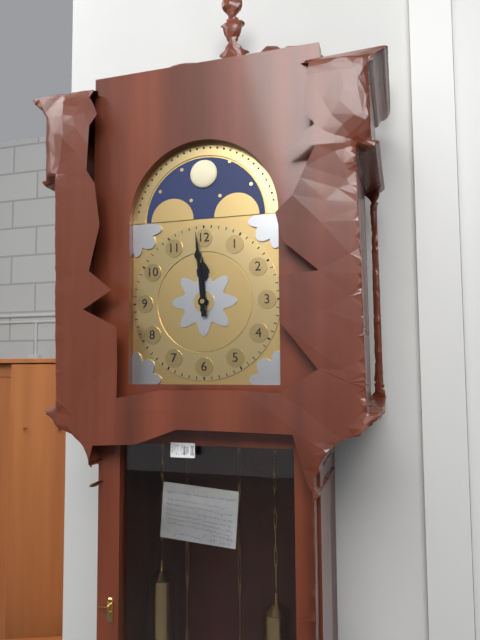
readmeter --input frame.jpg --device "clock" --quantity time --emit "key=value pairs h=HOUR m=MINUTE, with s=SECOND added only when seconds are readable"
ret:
h=11 m=59
